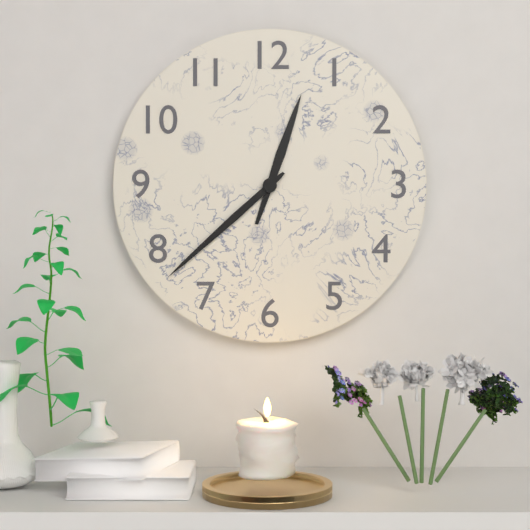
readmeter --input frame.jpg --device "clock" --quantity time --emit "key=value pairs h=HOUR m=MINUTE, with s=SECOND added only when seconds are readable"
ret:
h=12 m=38
